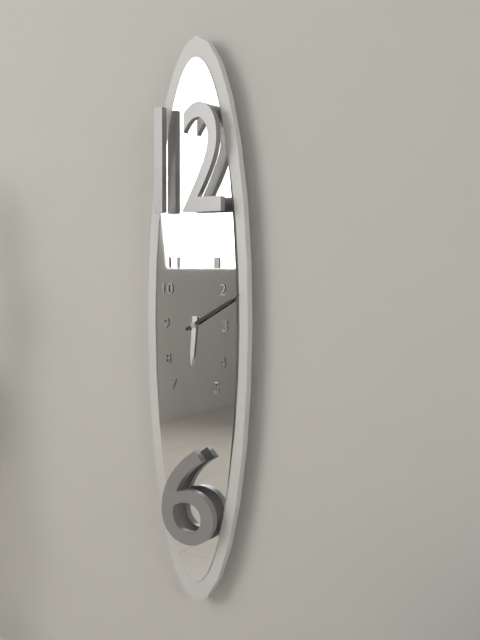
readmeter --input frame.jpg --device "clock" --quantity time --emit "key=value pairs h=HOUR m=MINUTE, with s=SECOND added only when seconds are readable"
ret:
h=6 m=10
